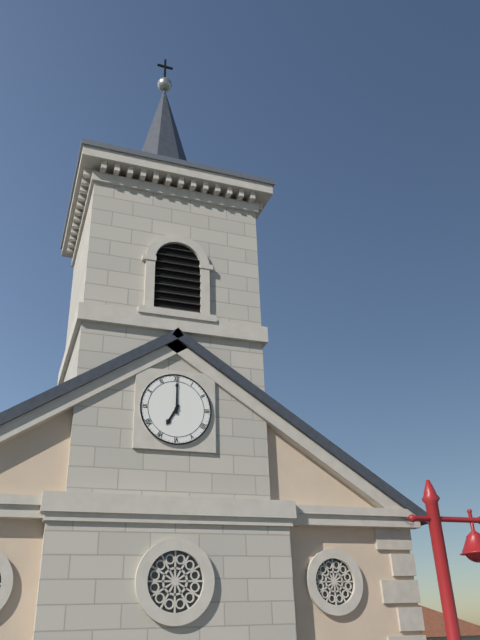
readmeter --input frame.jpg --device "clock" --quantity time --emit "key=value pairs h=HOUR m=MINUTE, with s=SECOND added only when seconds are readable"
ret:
h=7 m=0
